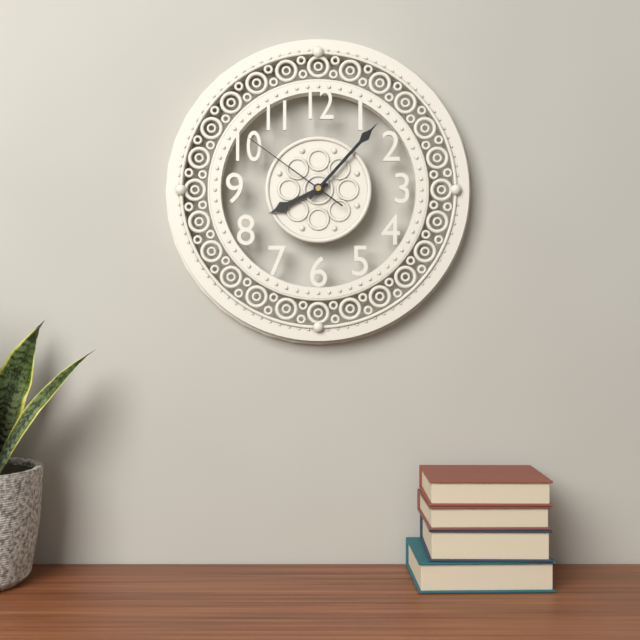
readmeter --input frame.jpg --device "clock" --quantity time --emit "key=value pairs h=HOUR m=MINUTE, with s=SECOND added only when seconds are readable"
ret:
h=8 m=7 s=51
